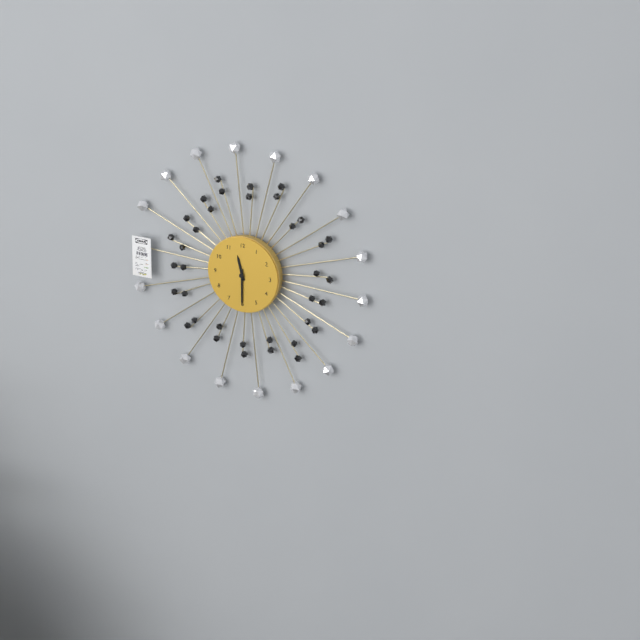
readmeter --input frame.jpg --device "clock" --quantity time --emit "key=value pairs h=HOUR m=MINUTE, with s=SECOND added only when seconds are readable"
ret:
h=11 m=30
